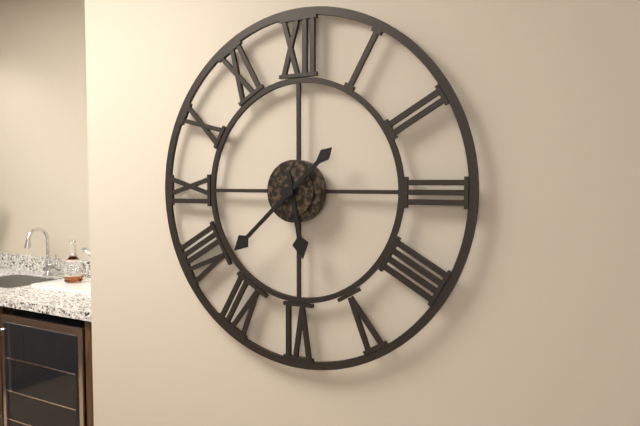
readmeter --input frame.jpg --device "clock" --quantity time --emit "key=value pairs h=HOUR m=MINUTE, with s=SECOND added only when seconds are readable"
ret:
h=5 m=38
